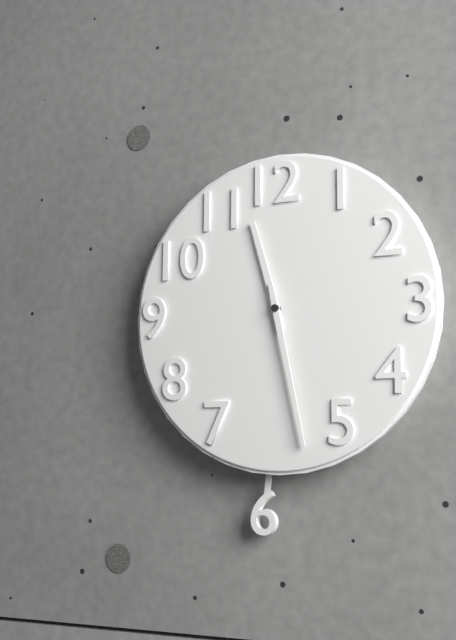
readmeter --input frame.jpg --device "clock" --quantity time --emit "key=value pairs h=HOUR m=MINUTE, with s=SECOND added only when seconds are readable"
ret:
h=11 m=28
